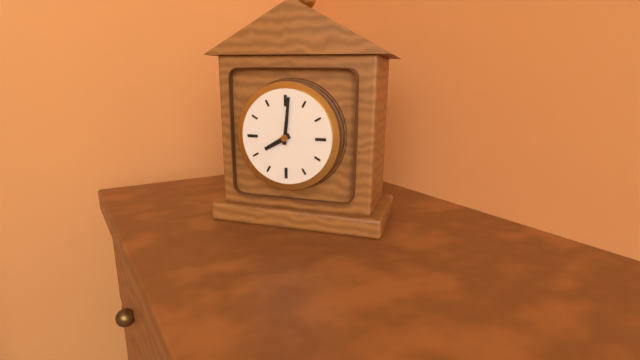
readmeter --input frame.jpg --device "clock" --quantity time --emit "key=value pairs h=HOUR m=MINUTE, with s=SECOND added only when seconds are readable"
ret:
h=8 m=1
